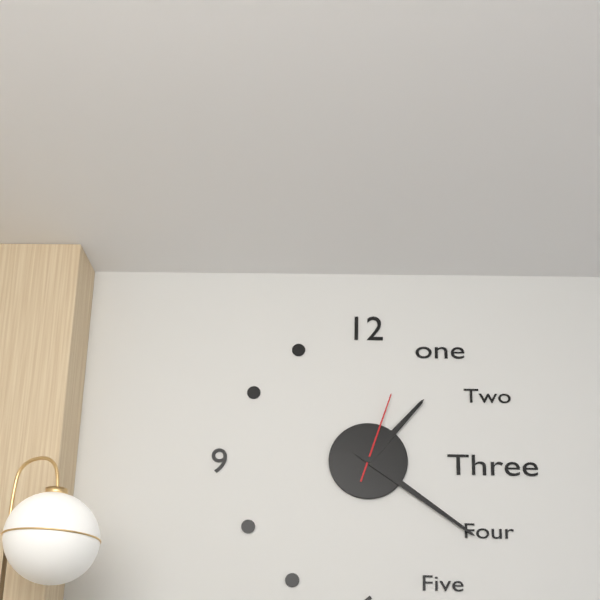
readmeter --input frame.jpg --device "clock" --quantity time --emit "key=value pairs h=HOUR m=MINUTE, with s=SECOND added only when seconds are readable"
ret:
h=1 m=21 s=3
